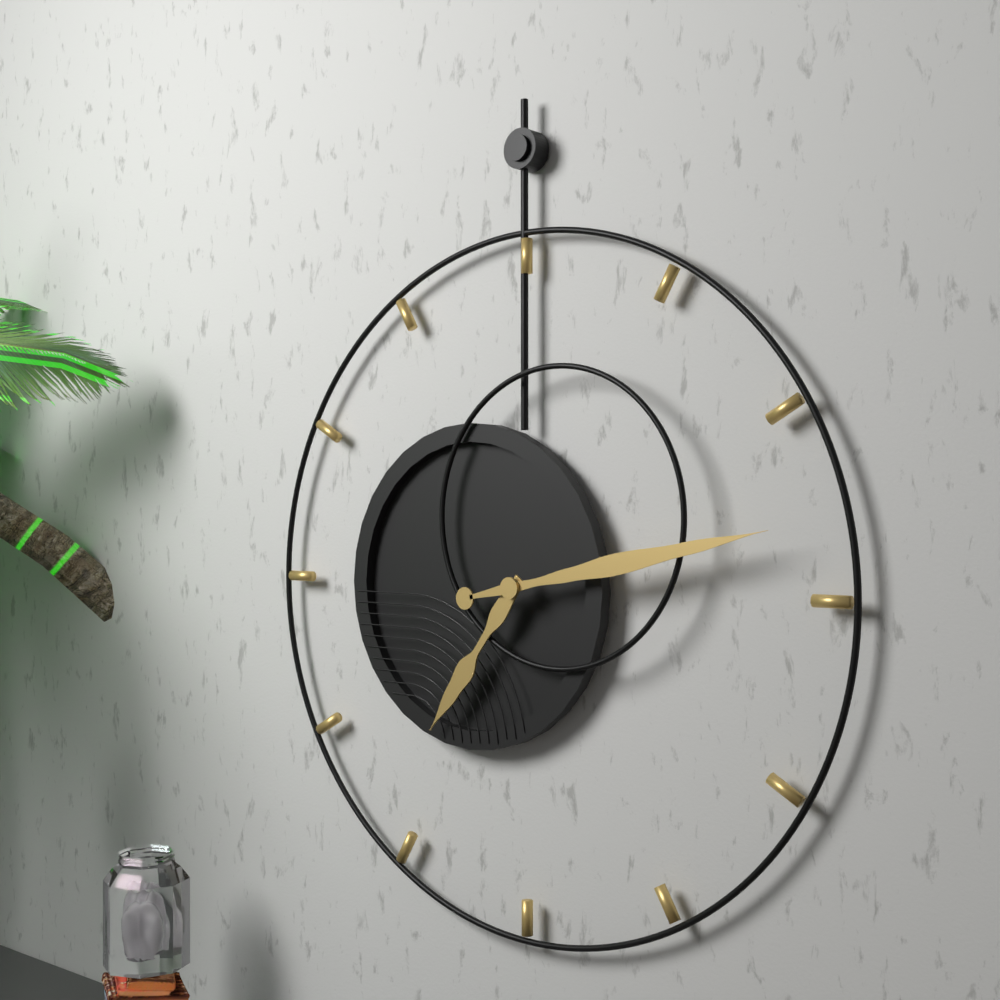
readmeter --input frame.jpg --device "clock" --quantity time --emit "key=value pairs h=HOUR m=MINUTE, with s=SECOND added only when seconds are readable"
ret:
h=7 m=13
